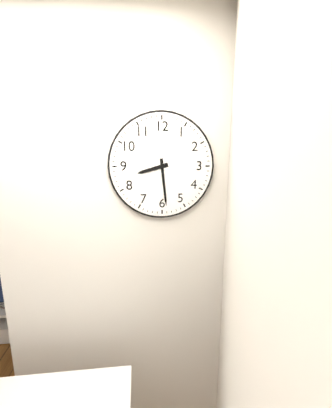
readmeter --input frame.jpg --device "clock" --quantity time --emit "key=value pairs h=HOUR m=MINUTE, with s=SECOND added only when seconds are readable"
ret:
h=8 m=29
